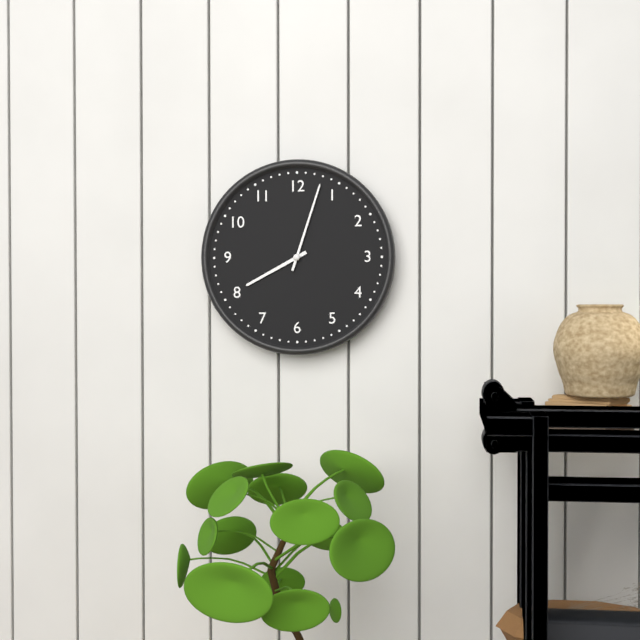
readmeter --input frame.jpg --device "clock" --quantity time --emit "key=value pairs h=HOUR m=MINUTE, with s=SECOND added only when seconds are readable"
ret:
h=8 m=3
